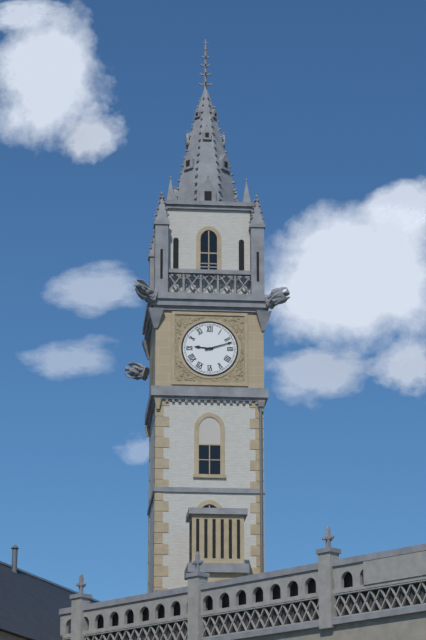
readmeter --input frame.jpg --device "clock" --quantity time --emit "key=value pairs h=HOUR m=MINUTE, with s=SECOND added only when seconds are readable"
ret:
h=9 m=12
